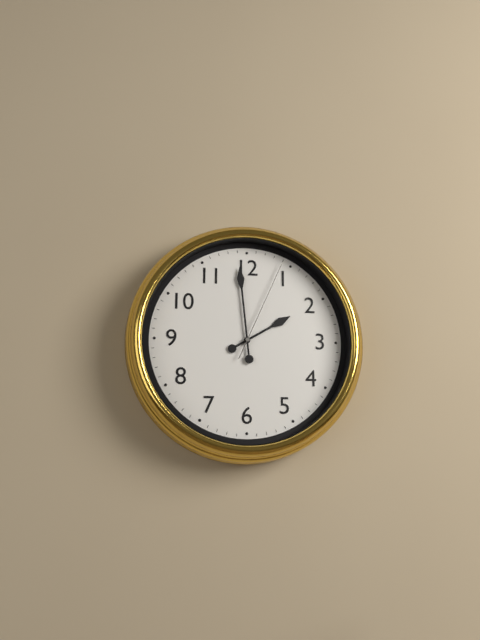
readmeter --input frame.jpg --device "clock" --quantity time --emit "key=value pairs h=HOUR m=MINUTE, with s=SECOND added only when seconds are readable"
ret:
h=1 m=59 s=4
